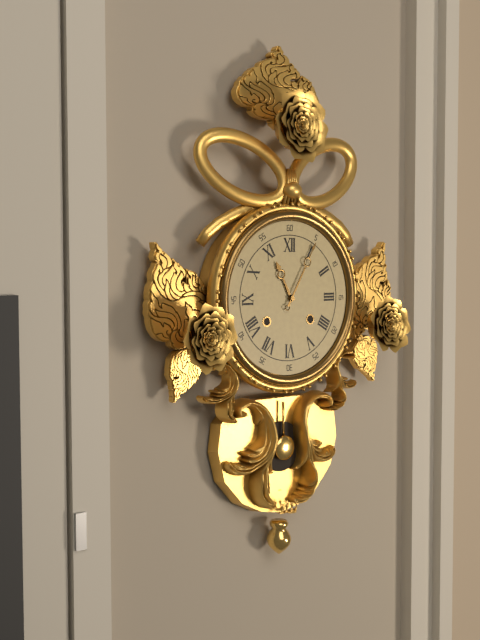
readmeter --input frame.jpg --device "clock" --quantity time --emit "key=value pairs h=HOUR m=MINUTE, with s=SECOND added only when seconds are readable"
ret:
h=11 m=5
